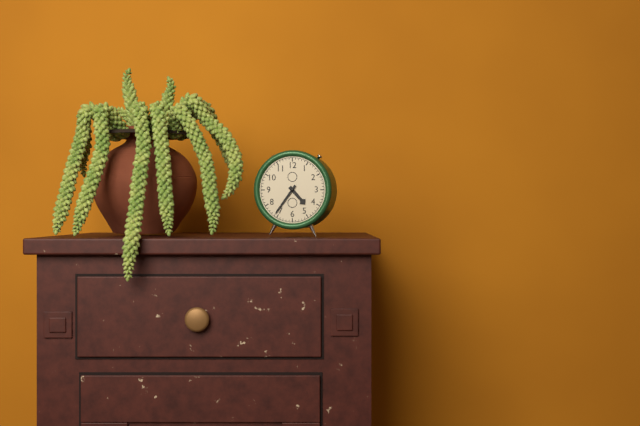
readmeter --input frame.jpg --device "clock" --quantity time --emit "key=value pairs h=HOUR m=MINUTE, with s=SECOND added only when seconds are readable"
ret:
h=4 m=36
